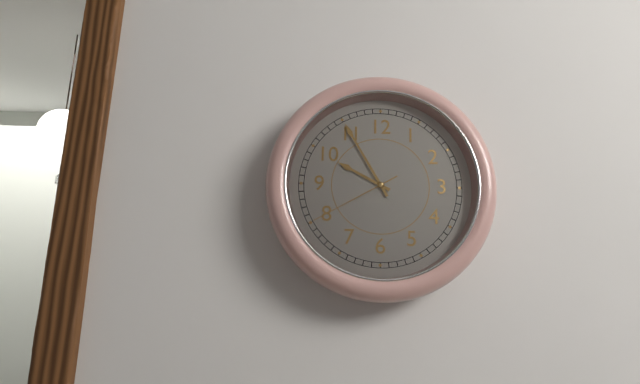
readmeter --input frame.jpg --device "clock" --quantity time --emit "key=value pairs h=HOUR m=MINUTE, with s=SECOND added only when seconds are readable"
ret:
h=9 m=55 s=40
